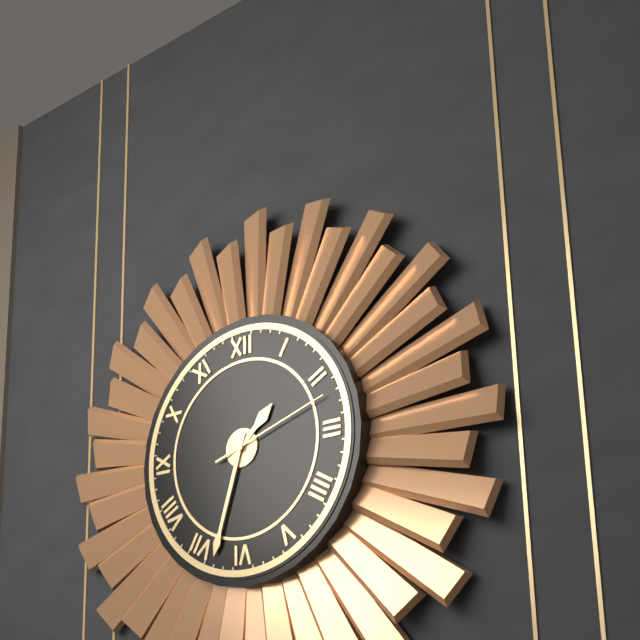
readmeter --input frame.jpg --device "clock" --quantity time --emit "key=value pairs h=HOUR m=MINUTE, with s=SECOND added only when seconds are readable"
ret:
h=1 m=33 s=12
